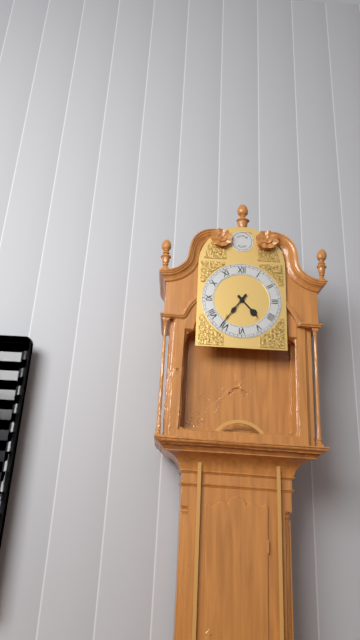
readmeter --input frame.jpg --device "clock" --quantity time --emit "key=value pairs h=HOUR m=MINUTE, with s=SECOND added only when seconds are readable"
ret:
h=4 m=36
